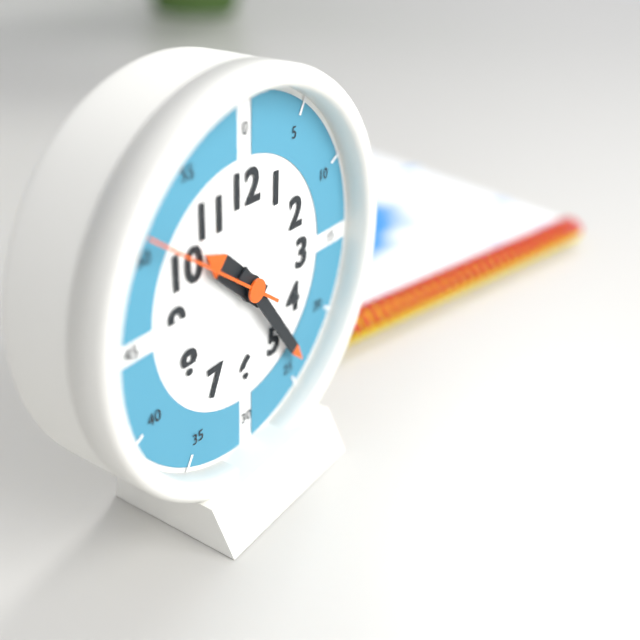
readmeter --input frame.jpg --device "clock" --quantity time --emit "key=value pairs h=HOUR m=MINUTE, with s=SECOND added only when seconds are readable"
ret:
h=10 m=24 s=51
